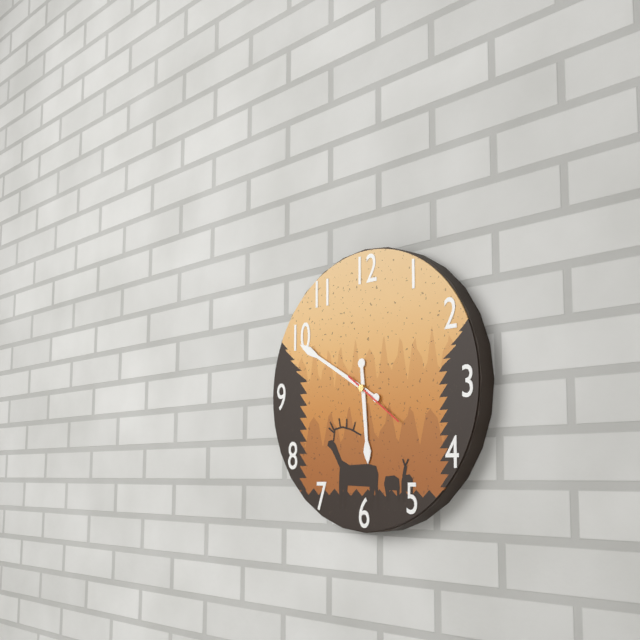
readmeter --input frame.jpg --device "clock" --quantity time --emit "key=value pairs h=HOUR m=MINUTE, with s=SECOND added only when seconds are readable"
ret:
h=5 m=50 s=21
